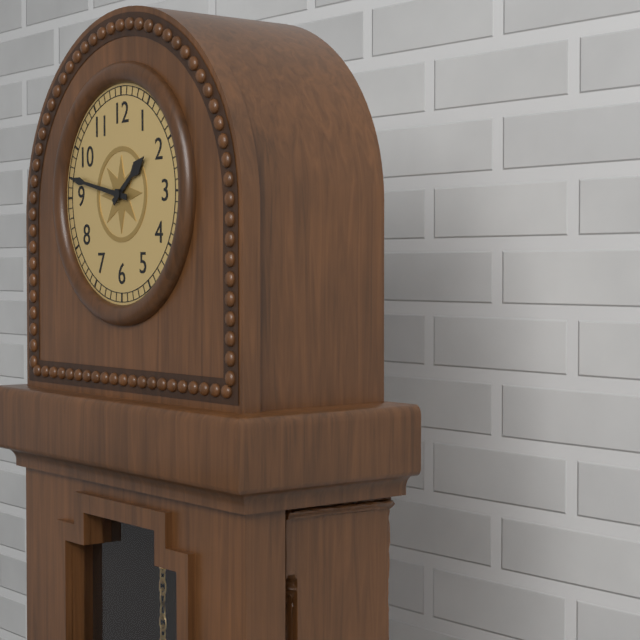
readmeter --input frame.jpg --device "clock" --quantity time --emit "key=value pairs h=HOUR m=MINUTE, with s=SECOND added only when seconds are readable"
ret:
h=1 m=47
